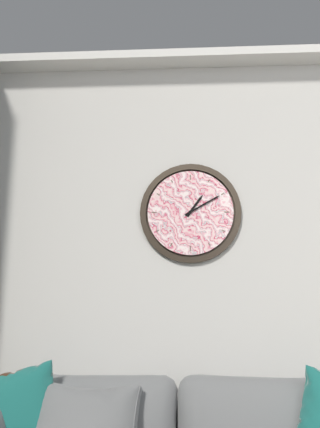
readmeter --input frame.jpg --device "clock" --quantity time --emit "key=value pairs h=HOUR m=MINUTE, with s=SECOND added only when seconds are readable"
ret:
h=1 m=10
